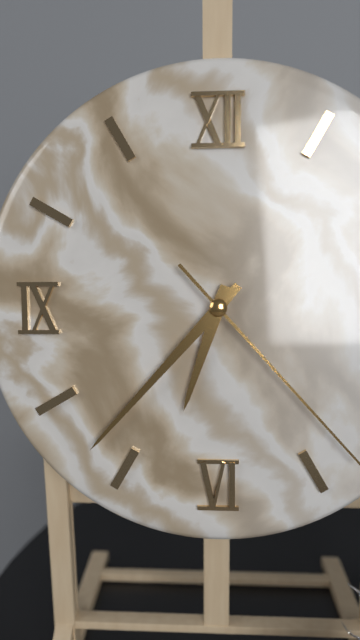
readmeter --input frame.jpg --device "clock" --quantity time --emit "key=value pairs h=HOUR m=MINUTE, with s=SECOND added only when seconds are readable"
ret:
h=6 m=37
